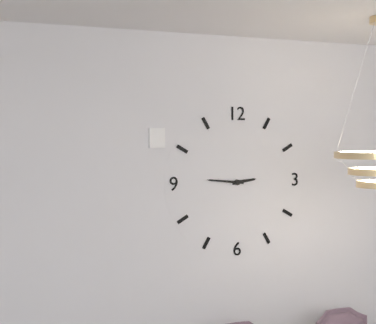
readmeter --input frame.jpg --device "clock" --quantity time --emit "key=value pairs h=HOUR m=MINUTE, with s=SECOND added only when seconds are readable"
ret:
h=2 m=46
